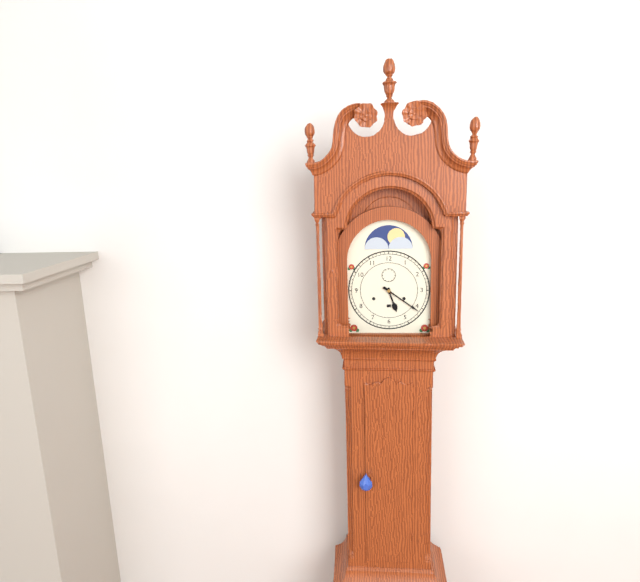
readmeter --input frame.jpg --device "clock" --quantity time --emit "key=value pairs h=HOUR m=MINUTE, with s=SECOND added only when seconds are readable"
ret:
h=5 m=21
